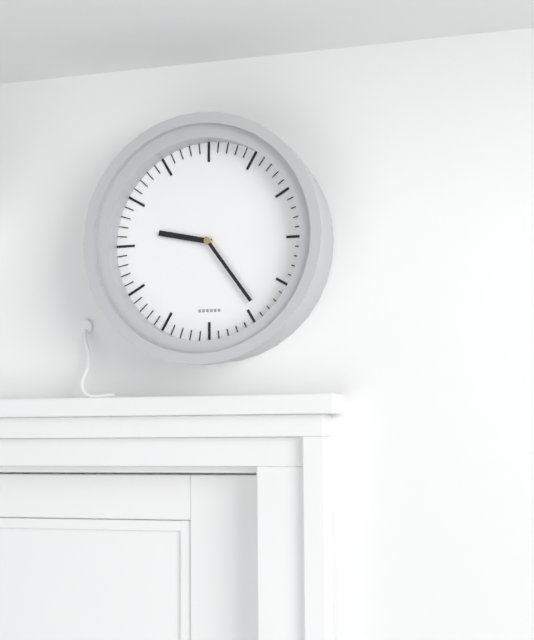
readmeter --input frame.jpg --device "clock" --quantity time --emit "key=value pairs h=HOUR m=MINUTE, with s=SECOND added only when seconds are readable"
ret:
h=9 m=24
